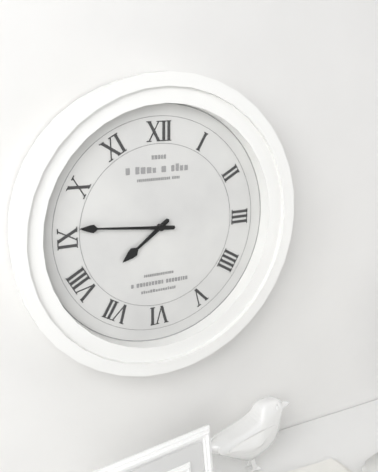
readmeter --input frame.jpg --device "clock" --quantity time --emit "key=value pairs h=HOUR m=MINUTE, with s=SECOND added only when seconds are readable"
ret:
h=7 m=46
